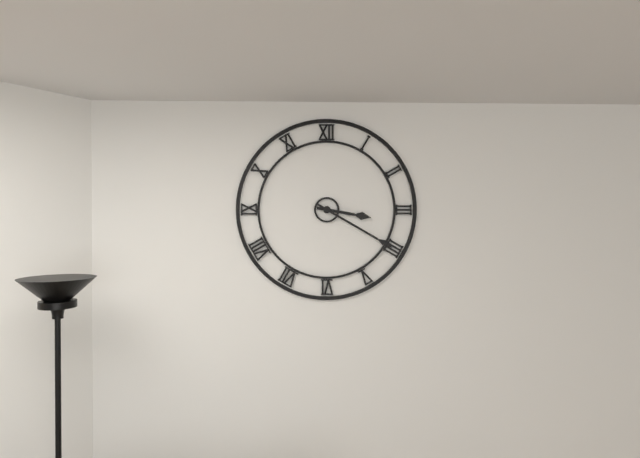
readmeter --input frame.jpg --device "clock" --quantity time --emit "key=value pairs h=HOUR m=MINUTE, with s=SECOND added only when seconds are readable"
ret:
h=3 m=20
